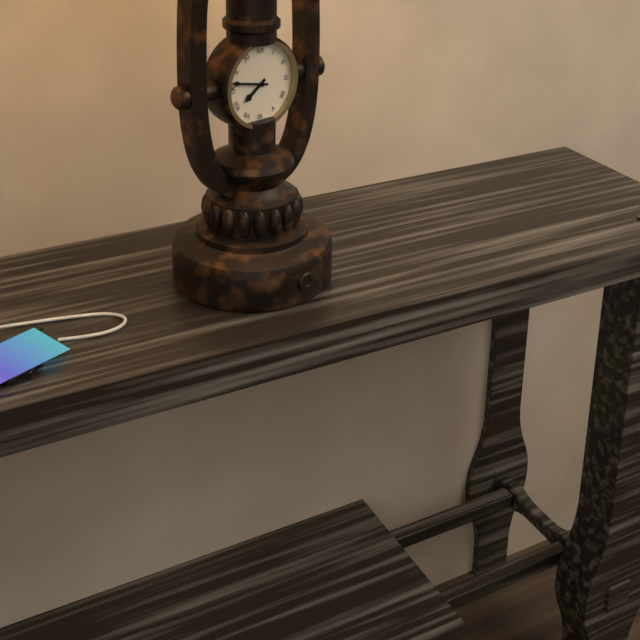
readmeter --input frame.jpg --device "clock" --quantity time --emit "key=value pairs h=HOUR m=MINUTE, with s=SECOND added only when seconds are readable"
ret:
h=7 m=47
